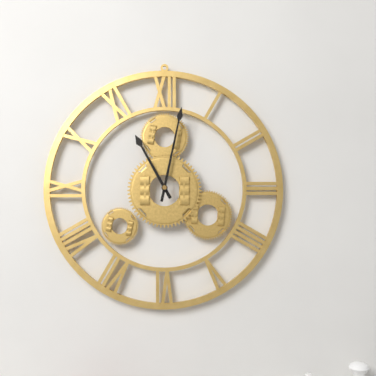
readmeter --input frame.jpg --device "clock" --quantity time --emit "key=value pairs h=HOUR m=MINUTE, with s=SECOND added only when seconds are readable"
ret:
h=11 m=2
